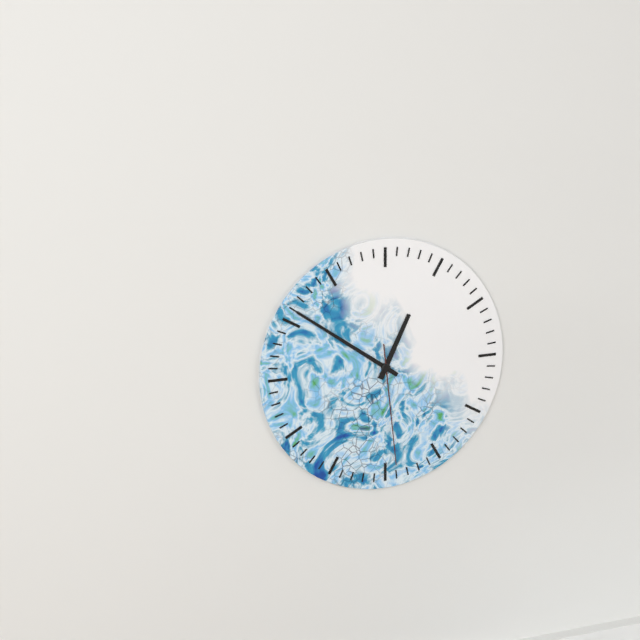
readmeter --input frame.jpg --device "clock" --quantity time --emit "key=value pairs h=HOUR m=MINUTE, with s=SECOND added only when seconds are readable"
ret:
h=12 m=51 s=29
